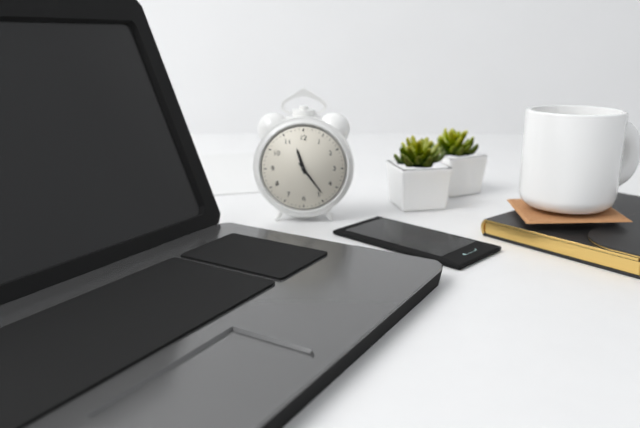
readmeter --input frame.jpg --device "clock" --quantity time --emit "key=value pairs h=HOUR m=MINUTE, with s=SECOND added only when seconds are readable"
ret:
h=11 m=24
